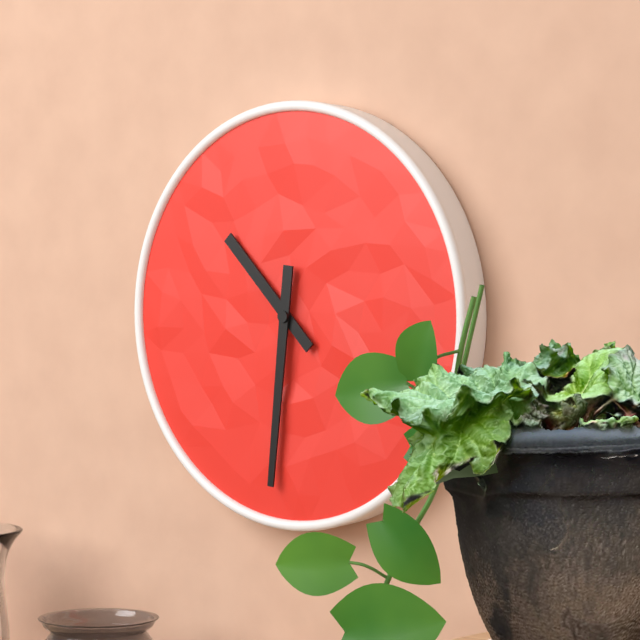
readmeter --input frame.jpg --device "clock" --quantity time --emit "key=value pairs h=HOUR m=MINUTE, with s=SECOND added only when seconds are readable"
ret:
h=10 m=31
